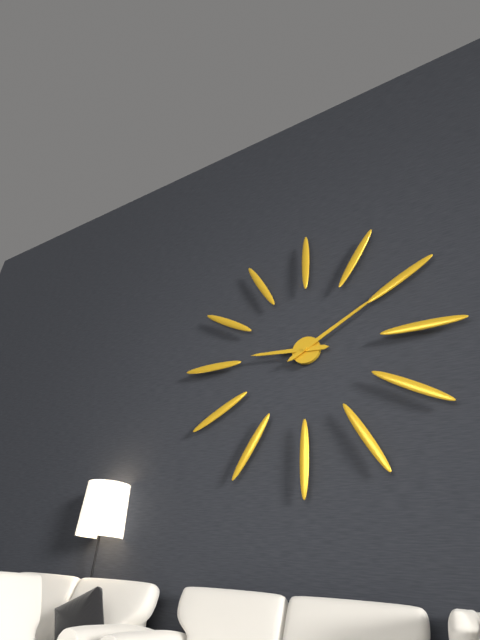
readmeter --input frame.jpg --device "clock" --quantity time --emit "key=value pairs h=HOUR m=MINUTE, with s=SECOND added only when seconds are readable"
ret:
h=9 m=10
